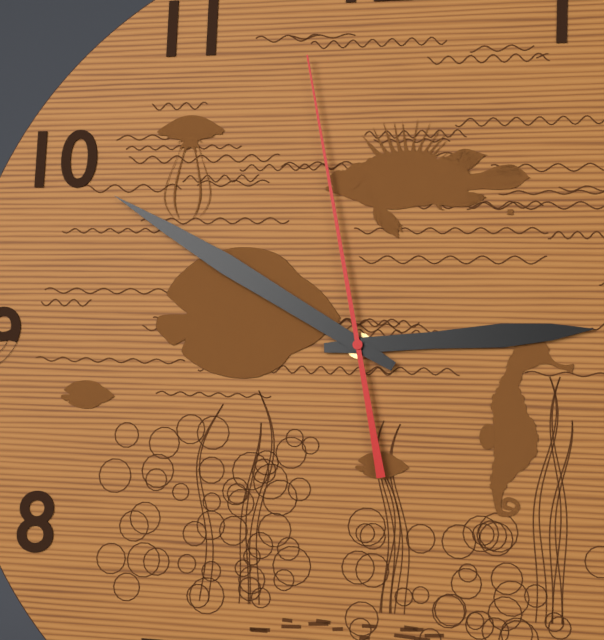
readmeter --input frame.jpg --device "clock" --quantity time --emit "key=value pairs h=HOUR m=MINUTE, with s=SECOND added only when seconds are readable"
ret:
h=2 m=50 s=58
